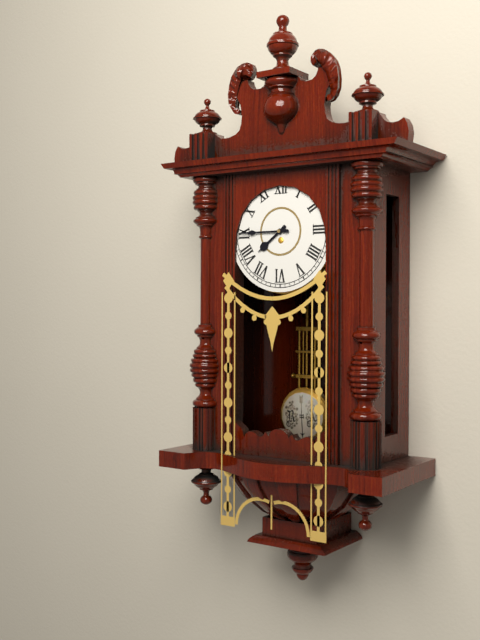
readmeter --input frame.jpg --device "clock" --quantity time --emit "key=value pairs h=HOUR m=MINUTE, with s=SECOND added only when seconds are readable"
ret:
h=7 m=45
